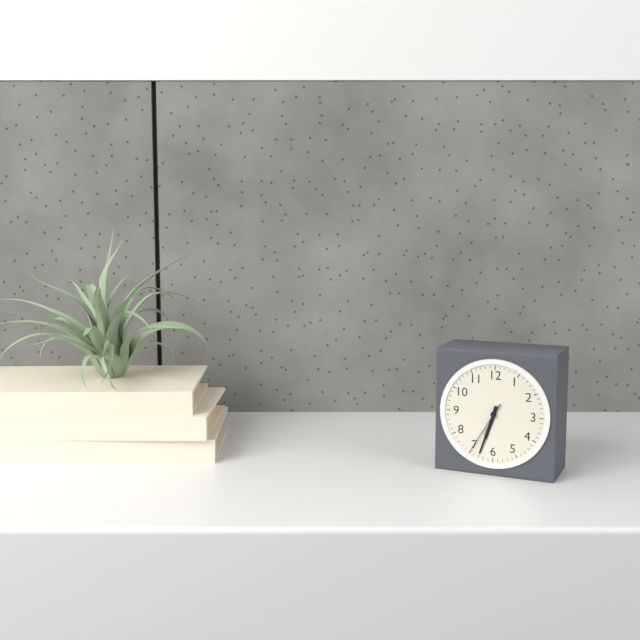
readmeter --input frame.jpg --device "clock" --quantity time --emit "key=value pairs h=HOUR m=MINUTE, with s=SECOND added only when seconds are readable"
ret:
h=6 m=33 s=35
